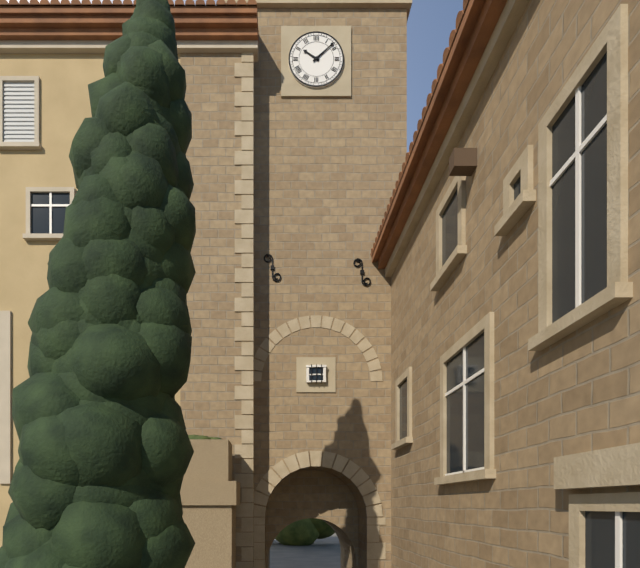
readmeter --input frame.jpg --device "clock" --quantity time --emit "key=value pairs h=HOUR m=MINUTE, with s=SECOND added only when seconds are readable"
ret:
h=10 m=8
